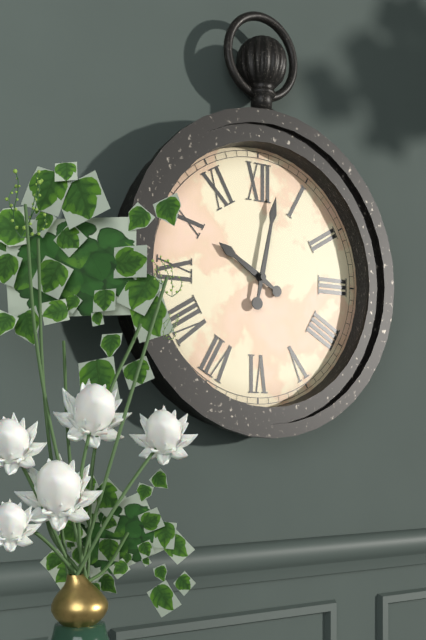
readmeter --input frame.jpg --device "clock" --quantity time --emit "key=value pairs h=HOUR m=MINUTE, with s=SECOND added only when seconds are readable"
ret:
h=10 m=2
